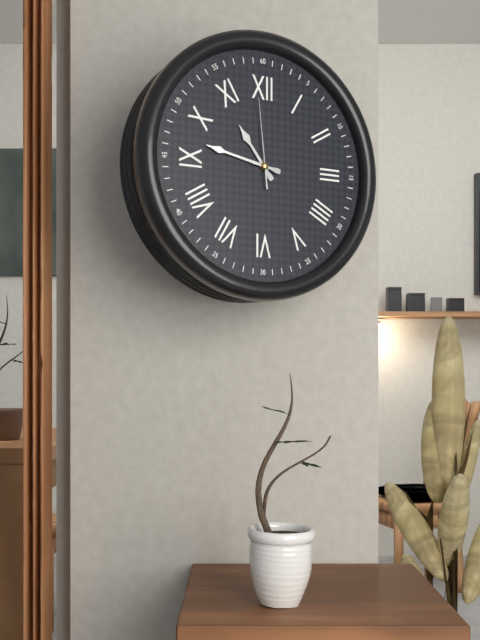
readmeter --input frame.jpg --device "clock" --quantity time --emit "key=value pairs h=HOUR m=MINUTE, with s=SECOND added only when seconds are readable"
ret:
h=10 m=47 s=59
